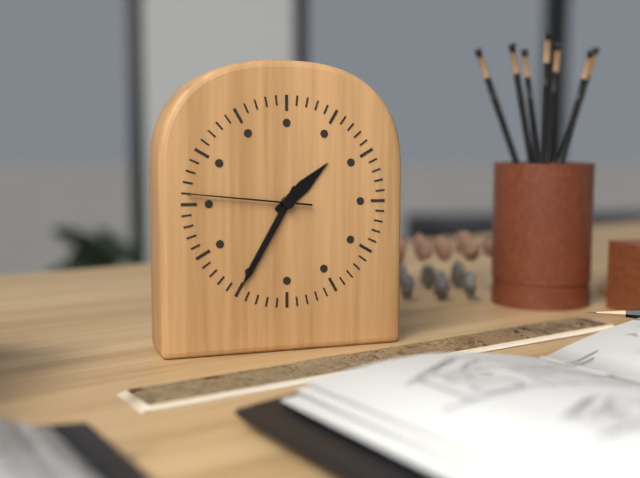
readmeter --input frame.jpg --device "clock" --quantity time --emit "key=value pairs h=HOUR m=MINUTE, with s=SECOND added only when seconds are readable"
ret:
h=1 m=35 s=46
